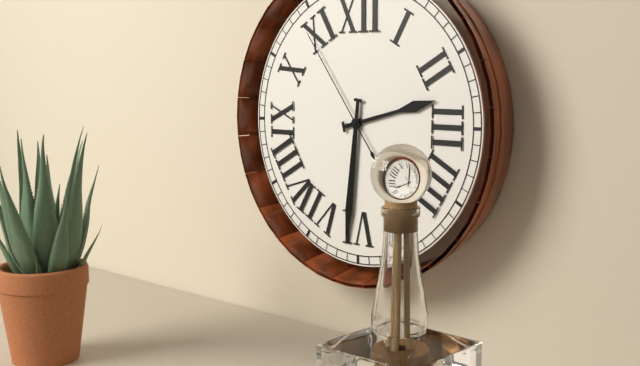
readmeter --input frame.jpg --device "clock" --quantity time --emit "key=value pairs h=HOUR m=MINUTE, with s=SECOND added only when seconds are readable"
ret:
h=2 m=31 s=54
